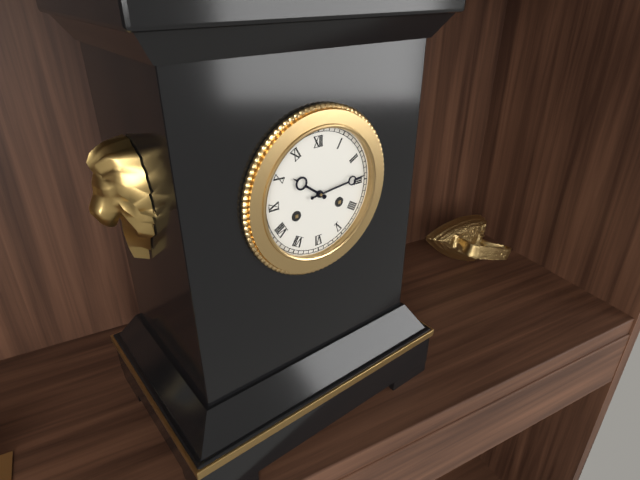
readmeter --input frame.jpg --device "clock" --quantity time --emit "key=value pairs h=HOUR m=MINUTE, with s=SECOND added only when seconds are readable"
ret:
h=10 m=14
